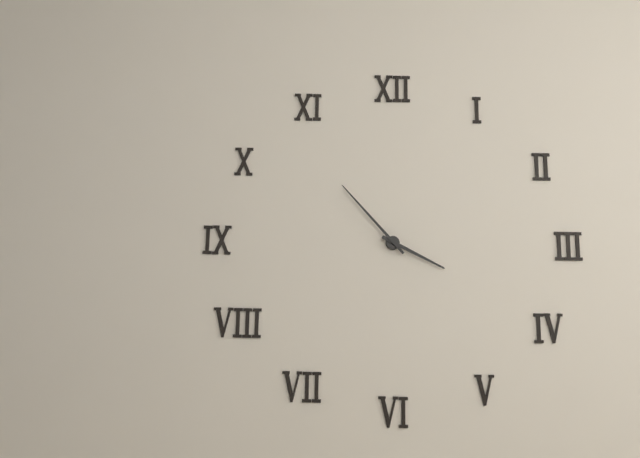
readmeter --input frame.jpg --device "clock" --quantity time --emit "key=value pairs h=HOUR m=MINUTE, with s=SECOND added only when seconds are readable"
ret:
h=3 m=53
